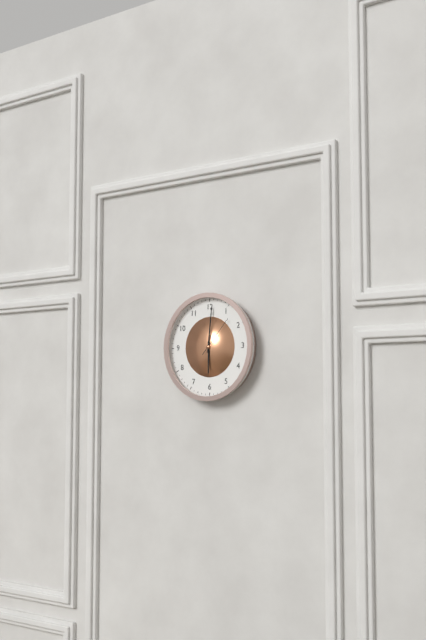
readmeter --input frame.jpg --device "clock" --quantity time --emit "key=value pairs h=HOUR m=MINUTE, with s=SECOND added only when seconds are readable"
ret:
h=6 m=1
